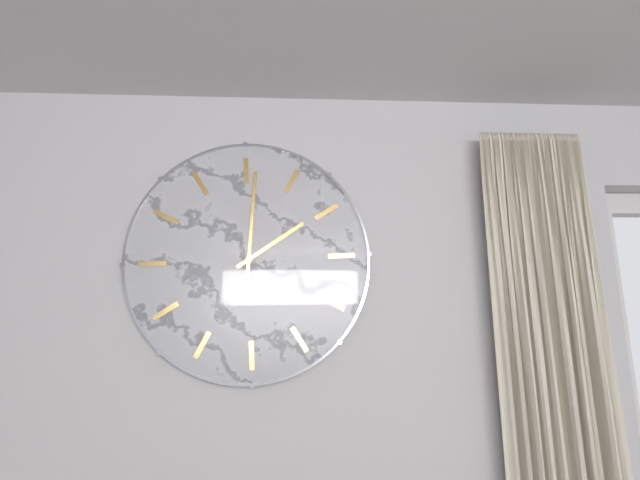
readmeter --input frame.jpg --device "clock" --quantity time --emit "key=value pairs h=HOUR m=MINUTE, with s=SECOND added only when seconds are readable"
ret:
h=12 m=56
